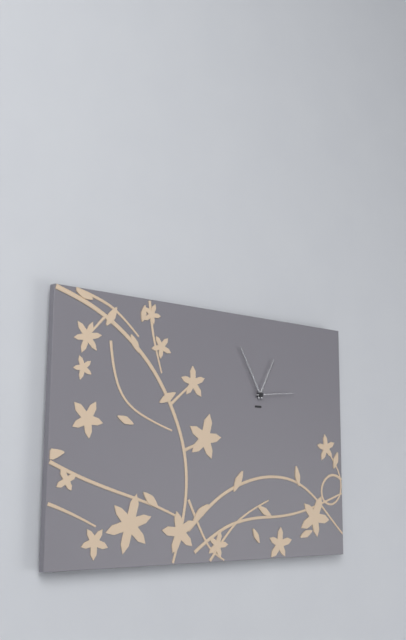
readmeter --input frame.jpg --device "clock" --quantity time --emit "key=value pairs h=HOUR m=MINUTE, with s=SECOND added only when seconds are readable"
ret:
h=12 m=55
